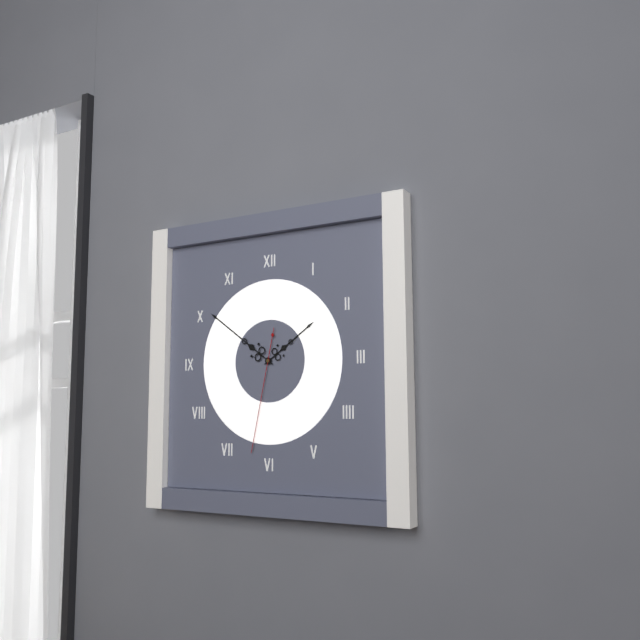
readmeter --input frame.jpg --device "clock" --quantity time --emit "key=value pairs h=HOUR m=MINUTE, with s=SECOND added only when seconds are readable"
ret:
h=1 m=51 s=32
